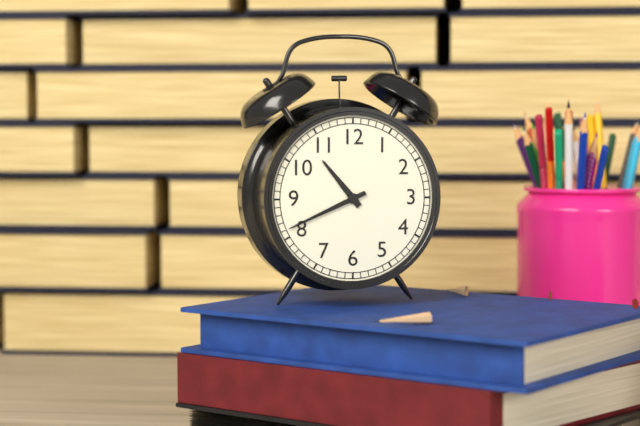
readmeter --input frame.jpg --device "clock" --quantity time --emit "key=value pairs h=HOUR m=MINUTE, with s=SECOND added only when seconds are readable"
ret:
h=10 m=41
